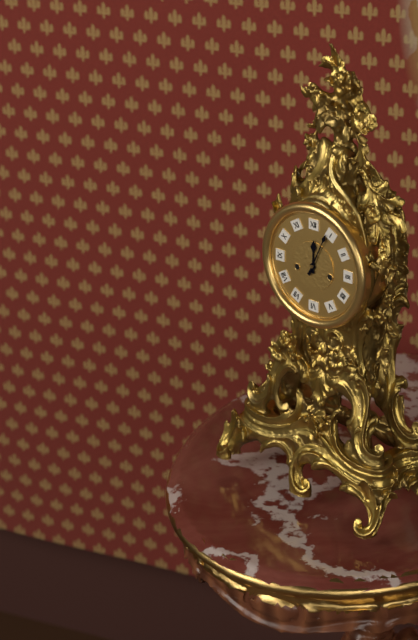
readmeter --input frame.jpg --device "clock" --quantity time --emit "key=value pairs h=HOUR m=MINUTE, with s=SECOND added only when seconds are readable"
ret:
h=12 m=4
